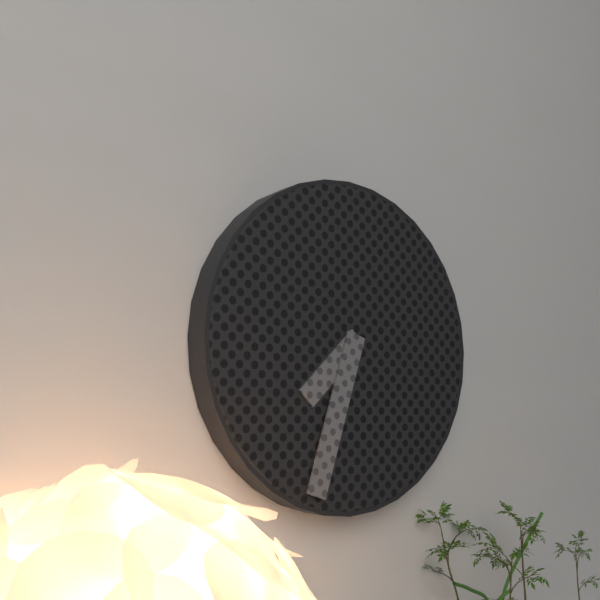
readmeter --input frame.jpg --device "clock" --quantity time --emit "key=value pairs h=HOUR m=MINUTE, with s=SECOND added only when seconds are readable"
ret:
h=7 m=33
